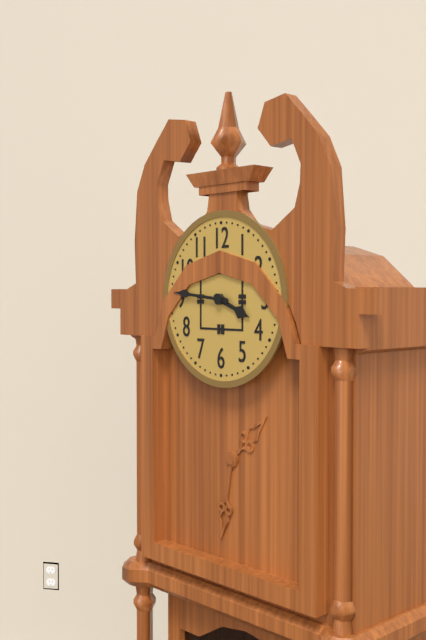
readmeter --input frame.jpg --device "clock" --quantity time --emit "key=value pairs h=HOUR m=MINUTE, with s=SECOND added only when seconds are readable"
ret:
h=3 m=46
